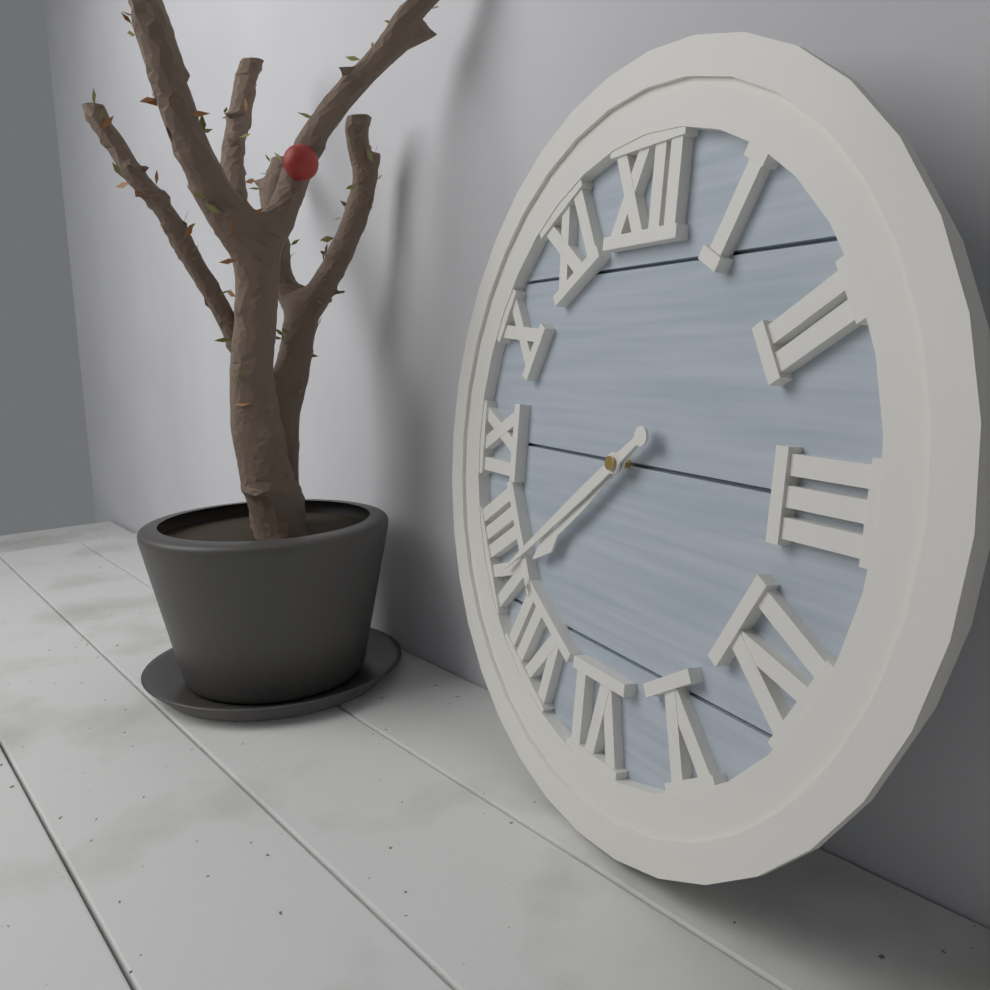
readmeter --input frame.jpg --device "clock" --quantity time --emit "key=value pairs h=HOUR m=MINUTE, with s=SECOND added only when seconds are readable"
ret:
h=7 m=39
